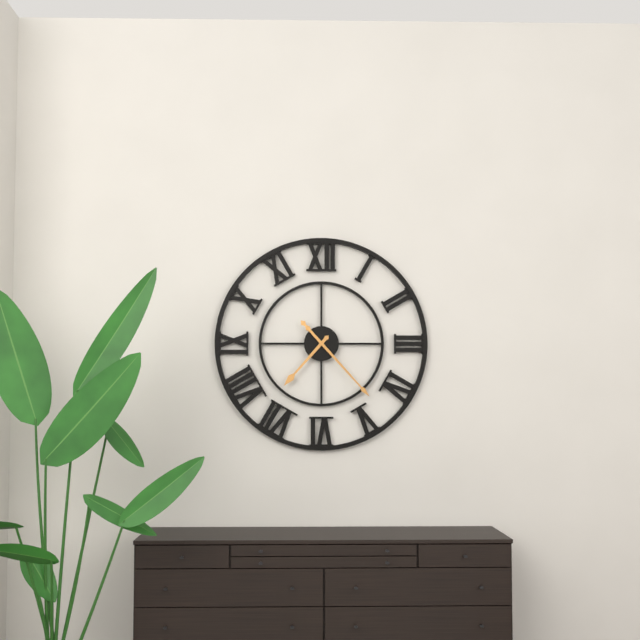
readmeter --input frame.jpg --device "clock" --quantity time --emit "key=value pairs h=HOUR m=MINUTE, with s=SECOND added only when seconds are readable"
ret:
h=7 m=23
